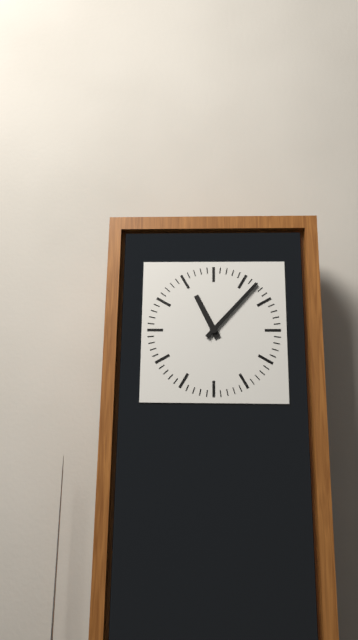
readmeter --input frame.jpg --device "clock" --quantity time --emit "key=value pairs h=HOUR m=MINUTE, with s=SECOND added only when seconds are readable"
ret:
h=11 m=7
